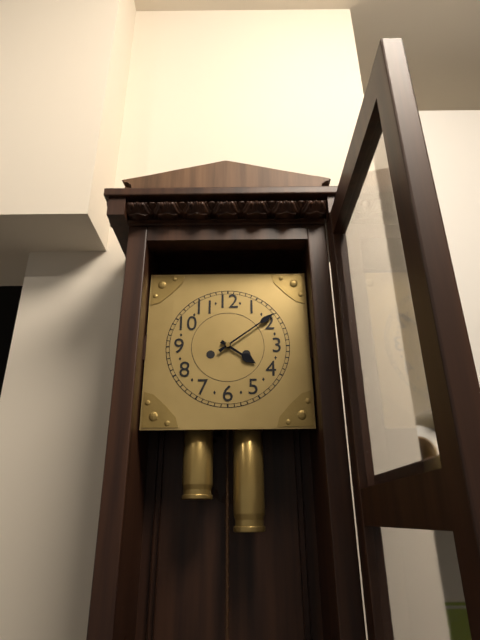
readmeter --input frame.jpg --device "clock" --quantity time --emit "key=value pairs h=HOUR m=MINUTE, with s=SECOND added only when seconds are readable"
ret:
h=4 m=9
